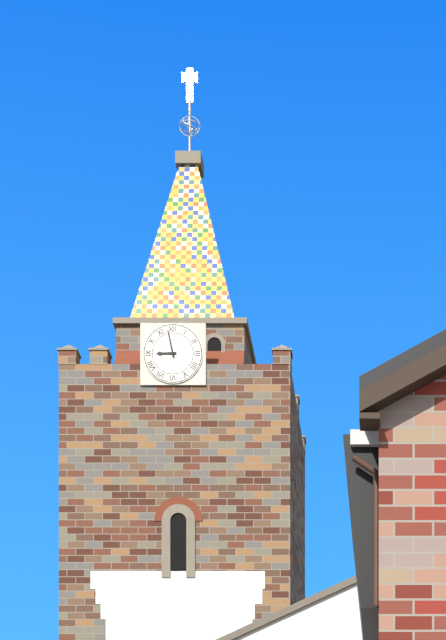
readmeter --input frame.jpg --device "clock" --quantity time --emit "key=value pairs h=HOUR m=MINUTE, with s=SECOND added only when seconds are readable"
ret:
h=8 m=58
